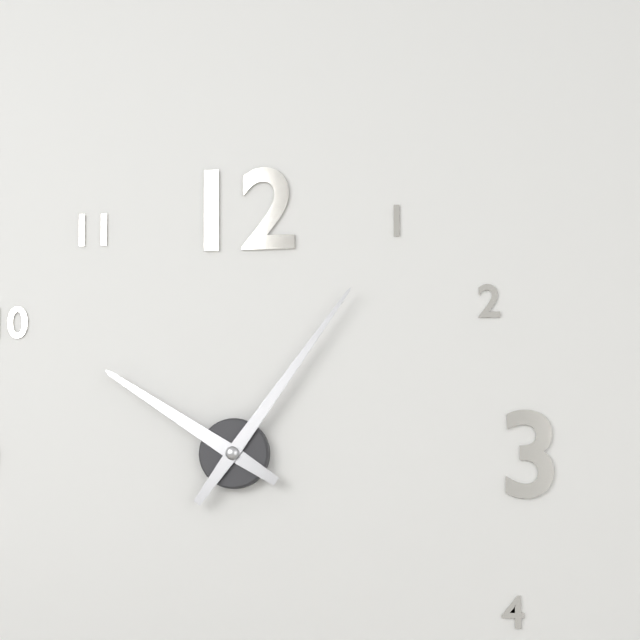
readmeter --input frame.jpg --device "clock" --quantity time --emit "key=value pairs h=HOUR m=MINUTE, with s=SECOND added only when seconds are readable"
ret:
h=10 m=6
